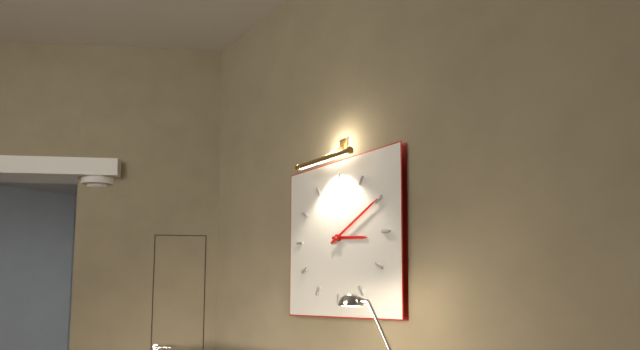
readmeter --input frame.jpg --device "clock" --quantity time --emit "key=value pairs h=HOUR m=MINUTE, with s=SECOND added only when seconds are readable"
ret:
h=3 m=10
